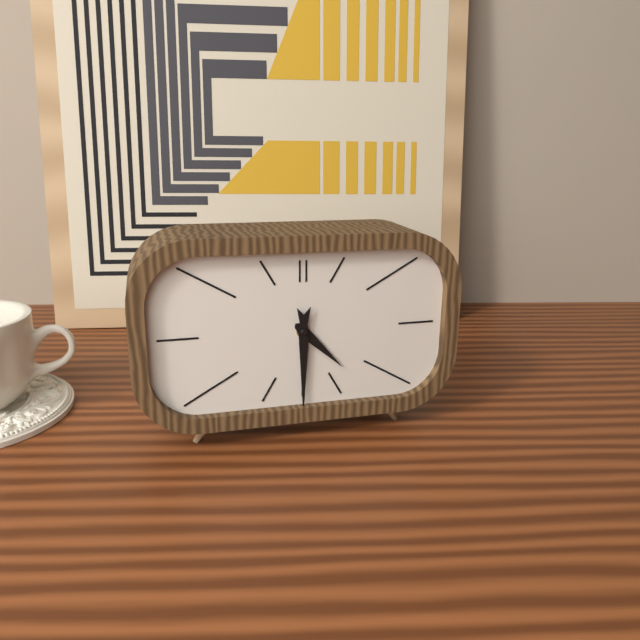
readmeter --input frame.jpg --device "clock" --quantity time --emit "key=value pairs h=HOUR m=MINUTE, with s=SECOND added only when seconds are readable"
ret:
h=4 m=30
